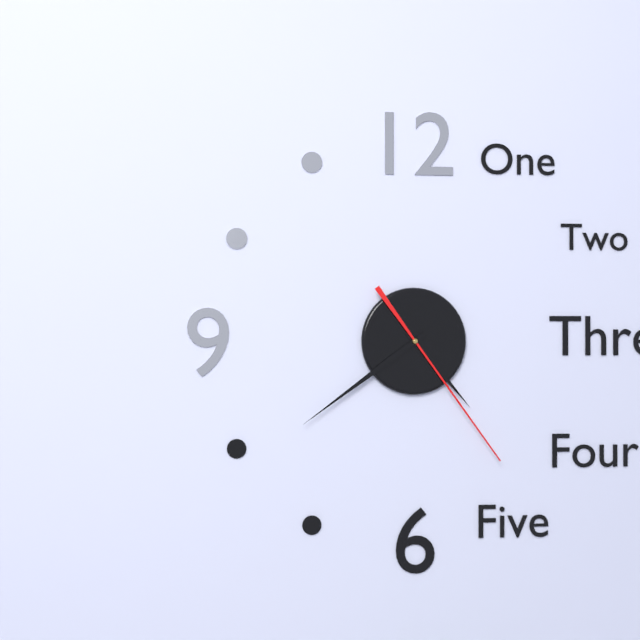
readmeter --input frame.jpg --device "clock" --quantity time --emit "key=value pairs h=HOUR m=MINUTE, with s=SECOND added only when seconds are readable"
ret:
h=4 m=39 s=24
